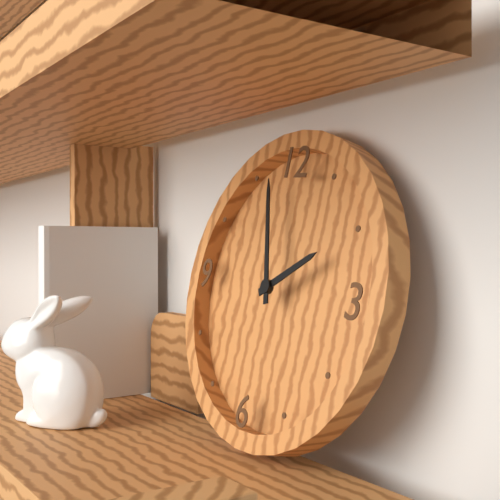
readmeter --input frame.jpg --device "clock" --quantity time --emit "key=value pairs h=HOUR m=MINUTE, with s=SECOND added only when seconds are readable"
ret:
h=1 m=57
